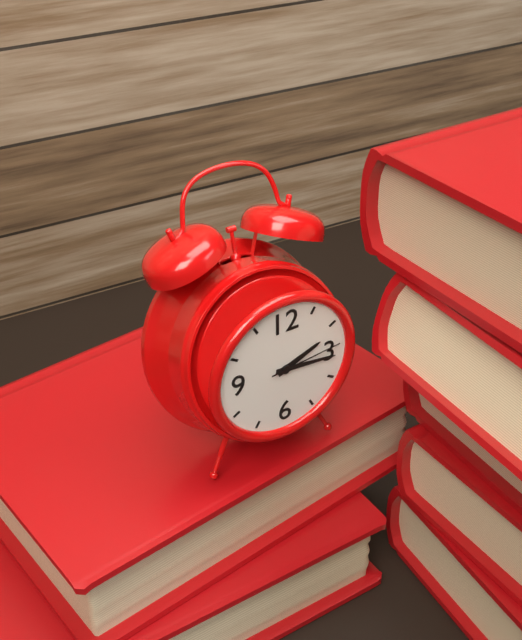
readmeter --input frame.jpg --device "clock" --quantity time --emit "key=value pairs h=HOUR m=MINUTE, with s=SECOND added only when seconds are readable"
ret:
h=2 m=16 s=14
